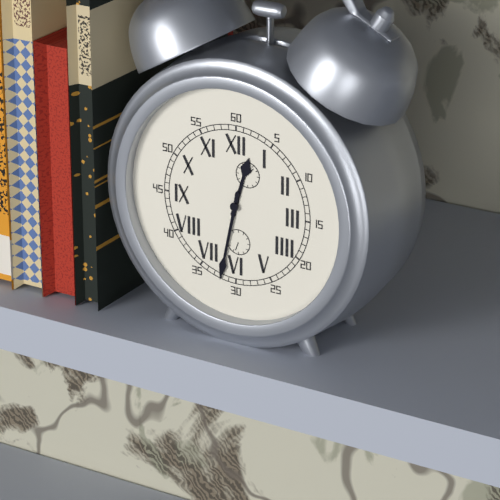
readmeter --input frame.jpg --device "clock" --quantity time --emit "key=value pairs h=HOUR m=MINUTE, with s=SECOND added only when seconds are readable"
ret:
h=12 m=32
